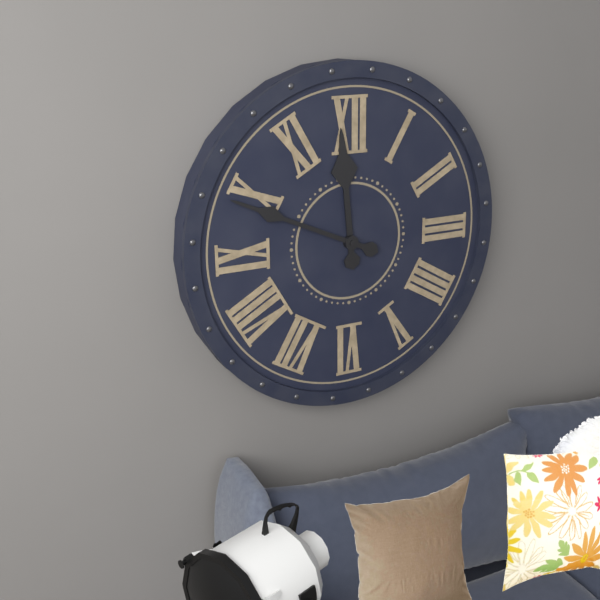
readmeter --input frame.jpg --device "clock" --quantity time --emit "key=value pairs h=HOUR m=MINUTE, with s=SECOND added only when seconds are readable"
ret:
h=11 m=49
